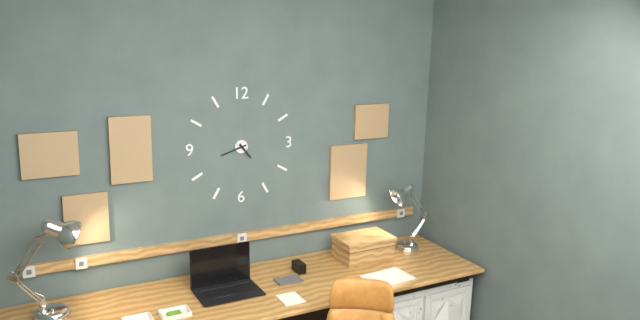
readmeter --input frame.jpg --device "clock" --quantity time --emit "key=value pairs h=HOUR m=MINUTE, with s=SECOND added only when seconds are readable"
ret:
h=4 m=42
